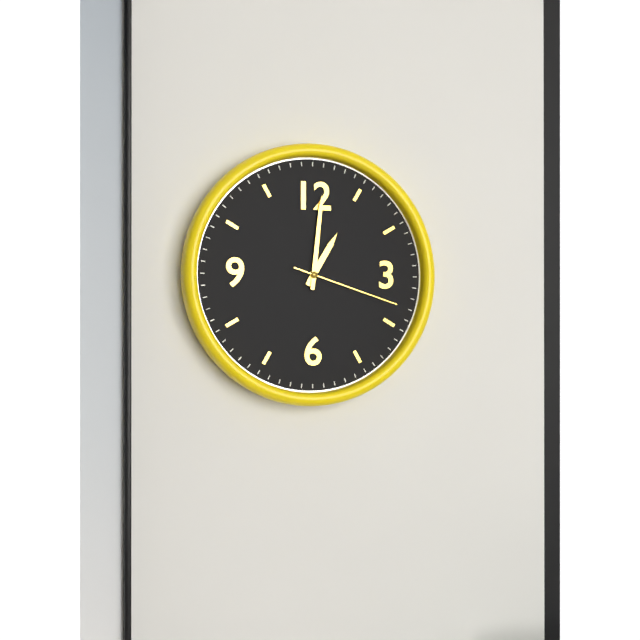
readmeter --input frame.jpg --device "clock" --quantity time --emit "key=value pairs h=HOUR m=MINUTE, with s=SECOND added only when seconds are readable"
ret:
h=1 m=1 s=18
